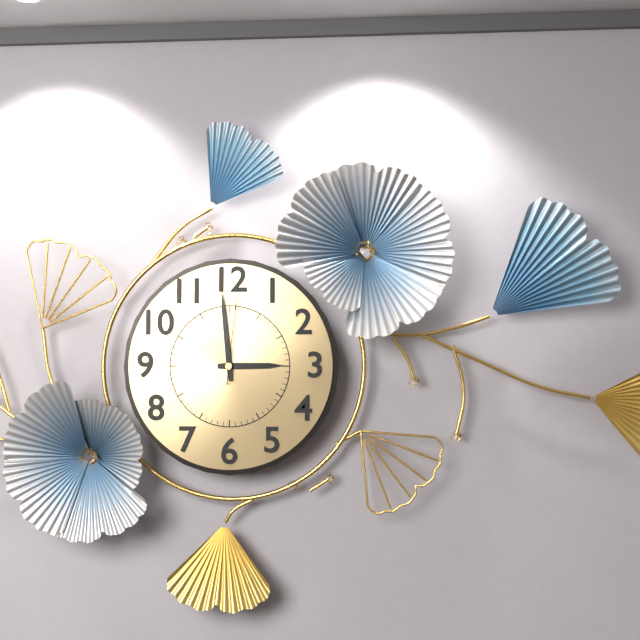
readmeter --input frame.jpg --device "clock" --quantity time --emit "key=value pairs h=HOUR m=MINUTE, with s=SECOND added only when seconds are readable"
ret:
h=2 m=59 s=1
